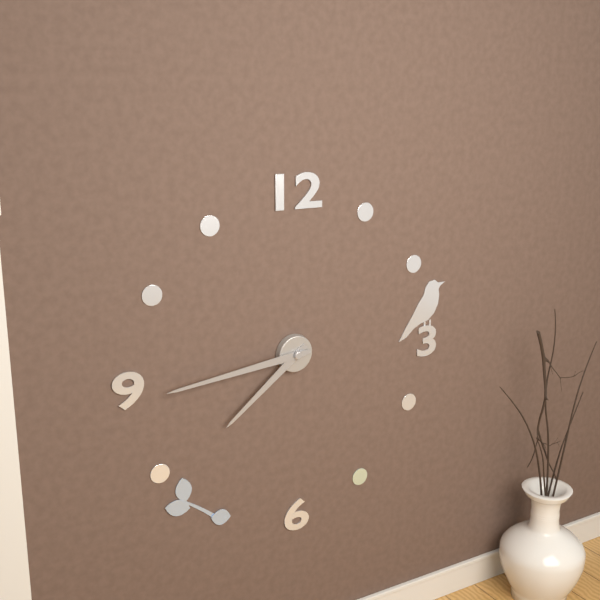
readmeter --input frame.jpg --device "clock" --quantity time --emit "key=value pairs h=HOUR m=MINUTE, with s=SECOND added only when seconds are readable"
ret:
h=7 m=44
